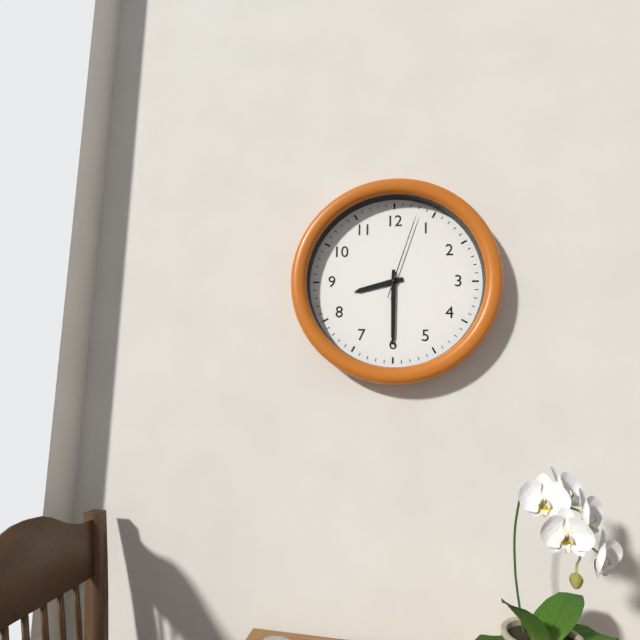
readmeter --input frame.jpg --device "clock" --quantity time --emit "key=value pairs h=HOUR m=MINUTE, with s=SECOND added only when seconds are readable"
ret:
h=8 m=30 s=3
